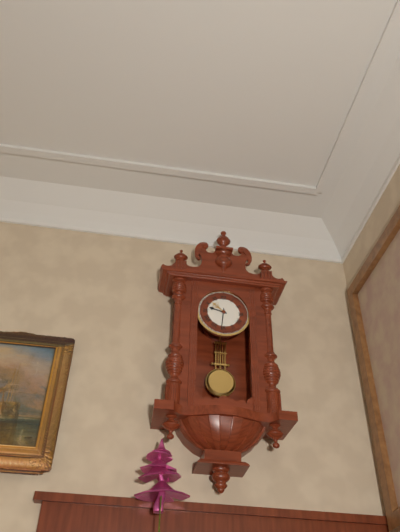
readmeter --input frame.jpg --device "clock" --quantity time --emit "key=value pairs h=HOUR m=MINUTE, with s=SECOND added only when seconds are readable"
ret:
h=9 m=31
